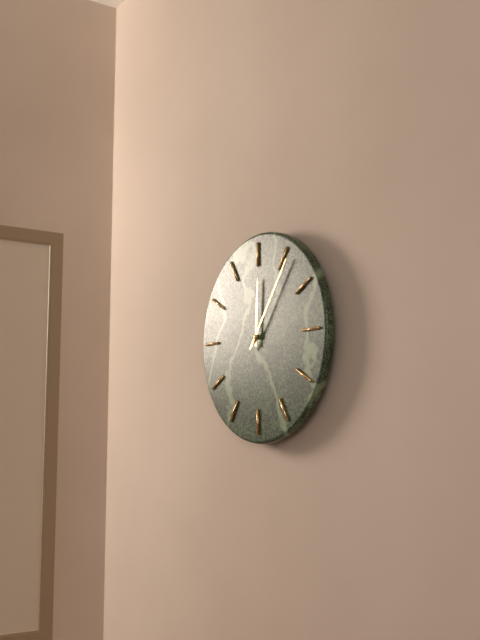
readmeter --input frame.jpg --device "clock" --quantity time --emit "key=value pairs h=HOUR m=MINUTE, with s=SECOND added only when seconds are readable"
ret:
h=12 m=6
